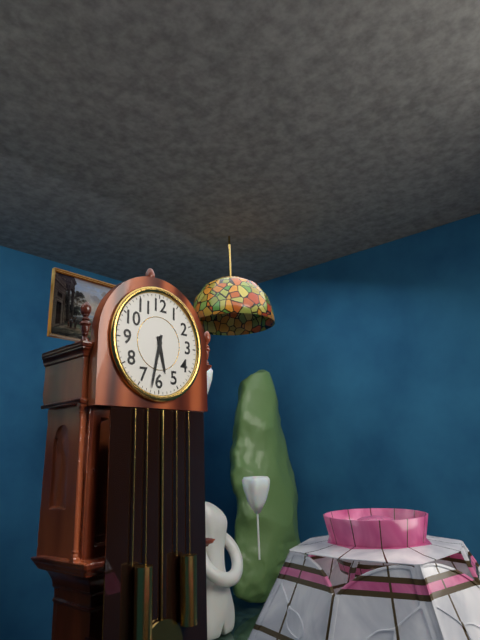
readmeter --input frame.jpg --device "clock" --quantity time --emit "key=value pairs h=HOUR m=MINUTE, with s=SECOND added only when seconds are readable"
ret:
h=5 m=32
